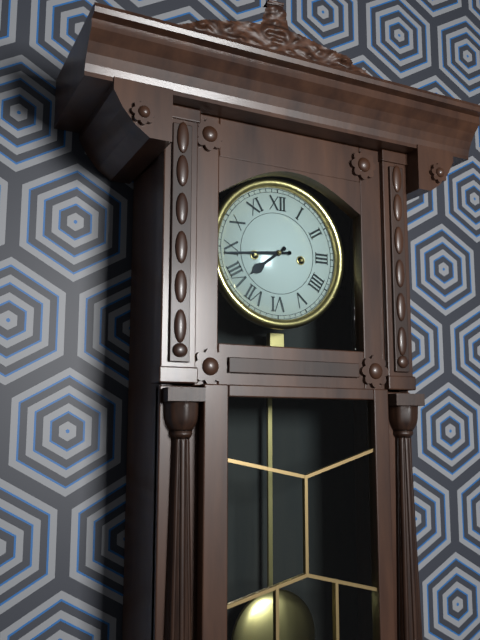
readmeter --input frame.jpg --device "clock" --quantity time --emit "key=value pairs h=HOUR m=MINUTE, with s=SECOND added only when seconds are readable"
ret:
h=7 m=44
